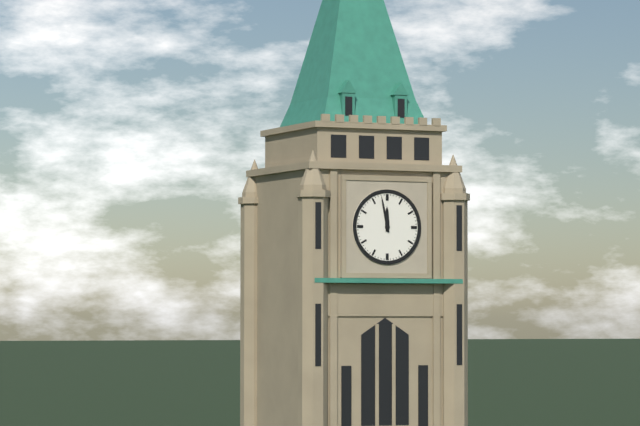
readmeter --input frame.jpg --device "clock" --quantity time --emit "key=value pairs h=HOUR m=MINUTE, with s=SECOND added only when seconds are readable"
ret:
h=11 m=58
